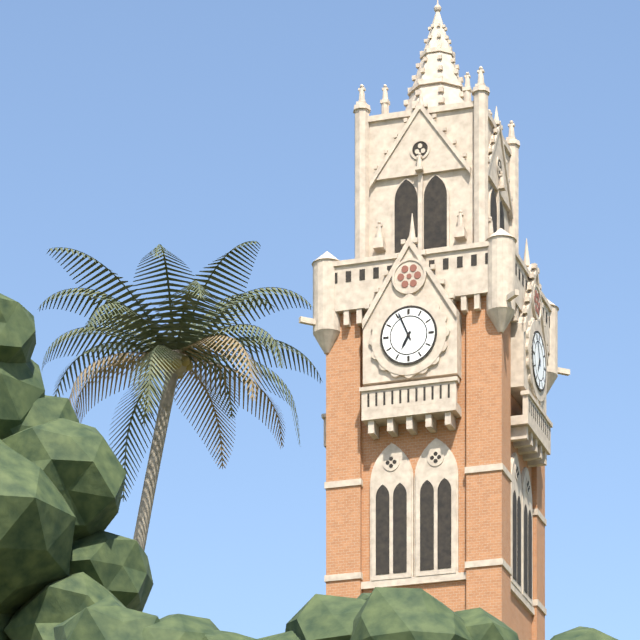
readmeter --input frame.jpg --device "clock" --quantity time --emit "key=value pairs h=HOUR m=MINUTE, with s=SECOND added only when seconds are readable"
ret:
h=6 m=56
